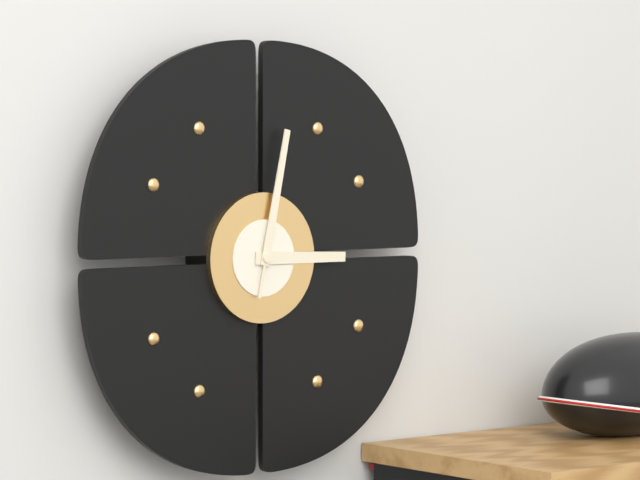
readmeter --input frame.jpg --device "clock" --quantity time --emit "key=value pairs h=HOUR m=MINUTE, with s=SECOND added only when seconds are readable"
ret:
h=3 m=2
